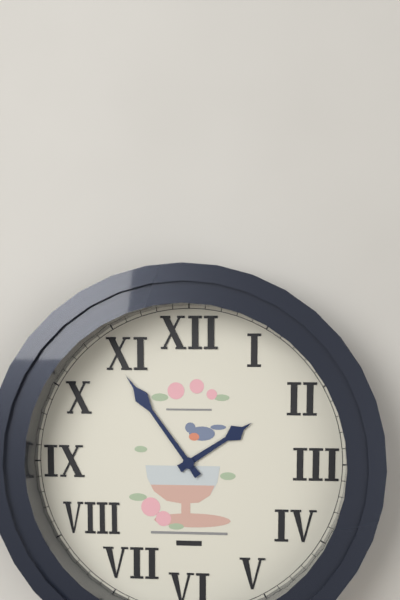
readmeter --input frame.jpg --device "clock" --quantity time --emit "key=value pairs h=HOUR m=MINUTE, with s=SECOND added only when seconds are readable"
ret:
h=1 m=54
